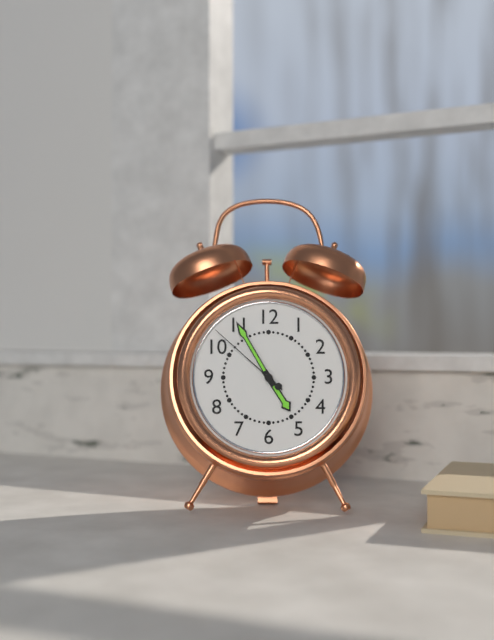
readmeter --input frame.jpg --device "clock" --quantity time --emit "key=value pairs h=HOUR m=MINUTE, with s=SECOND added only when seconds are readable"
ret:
h=4 m=55 s=52
